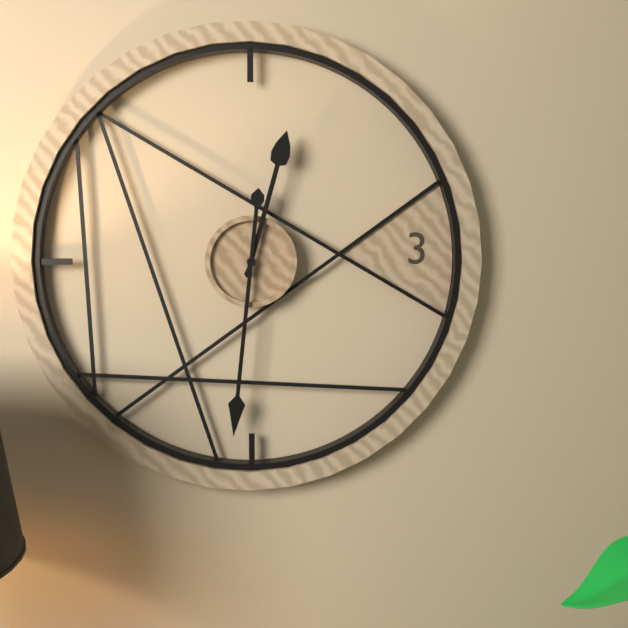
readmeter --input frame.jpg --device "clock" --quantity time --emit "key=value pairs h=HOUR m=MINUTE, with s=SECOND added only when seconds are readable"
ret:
h=12 m=31
